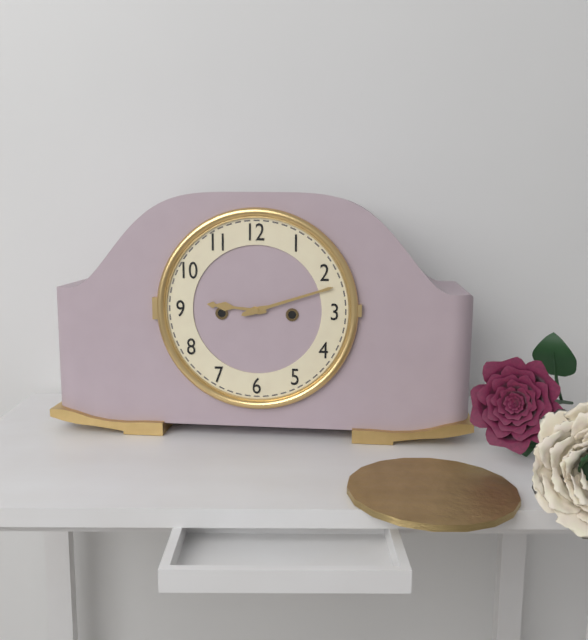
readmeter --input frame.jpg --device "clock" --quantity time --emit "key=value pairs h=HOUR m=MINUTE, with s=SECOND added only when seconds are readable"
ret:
h=9 m=12
